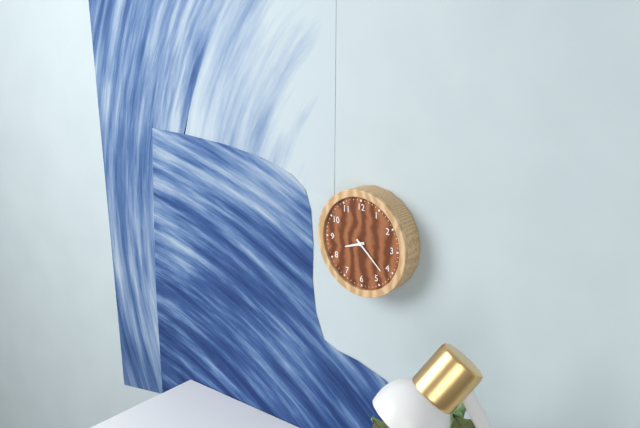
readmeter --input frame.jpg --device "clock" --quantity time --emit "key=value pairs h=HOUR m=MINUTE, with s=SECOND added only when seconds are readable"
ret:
h=8 m=22
